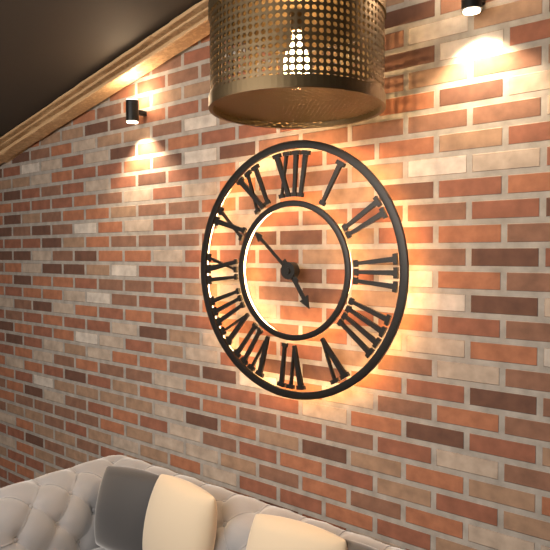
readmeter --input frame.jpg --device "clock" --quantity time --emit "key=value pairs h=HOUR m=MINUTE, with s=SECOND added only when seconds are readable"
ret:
h=4 m=52
